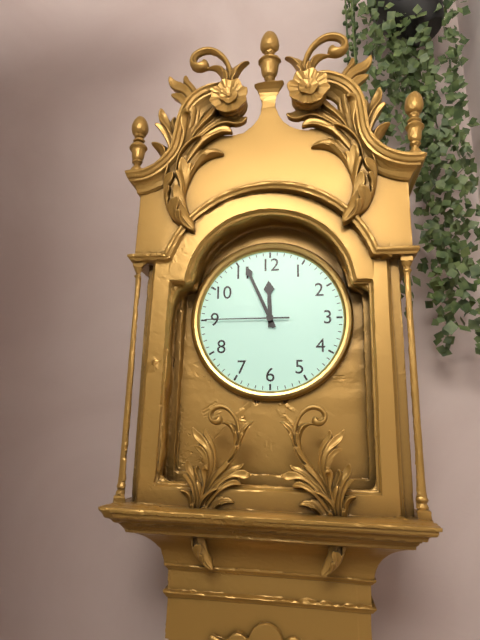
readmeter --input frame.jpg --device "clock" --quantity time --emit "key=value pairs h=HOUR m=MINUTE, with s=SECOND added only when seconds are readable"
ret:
h=11 m=56 s=45
